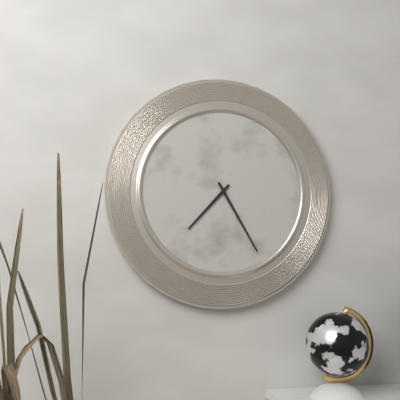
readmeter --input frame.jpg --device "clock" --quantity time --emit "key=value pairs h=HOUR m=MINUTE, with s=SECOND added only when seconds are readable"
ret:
h=7 m=25
